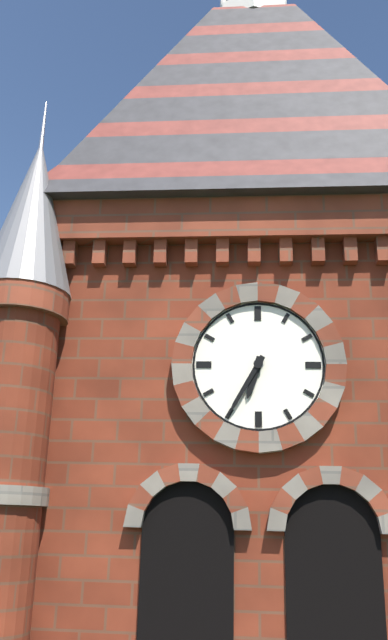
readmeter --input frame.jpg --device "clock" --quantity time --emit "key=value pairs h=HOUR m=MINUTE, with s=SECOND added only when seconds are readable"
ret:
h=6 m=35
